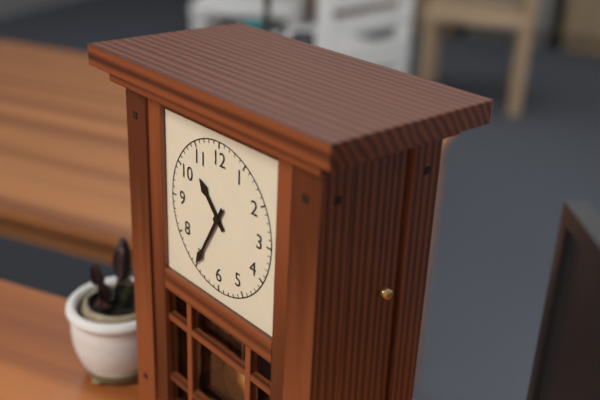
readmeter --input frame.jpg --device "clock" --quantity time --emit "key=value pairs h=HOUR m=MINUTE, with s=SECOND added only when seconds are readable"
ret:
h=10 m=35
